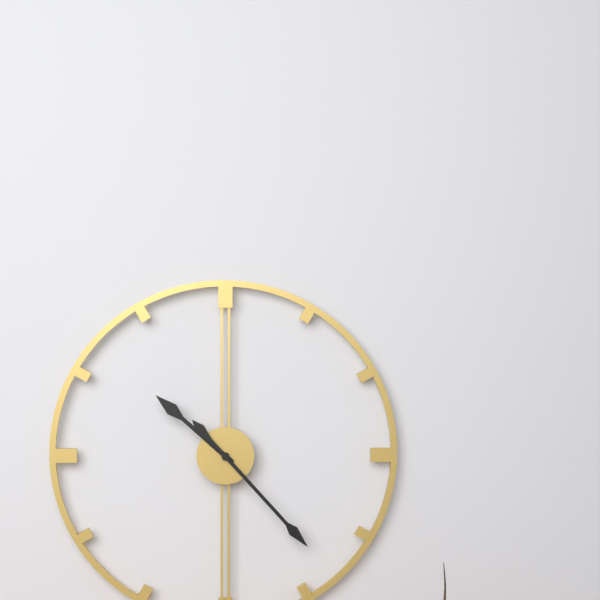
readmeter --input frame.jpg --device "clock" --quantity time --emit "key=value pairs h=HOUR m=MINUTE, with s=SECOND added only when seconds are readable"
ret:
h=10 m=23
